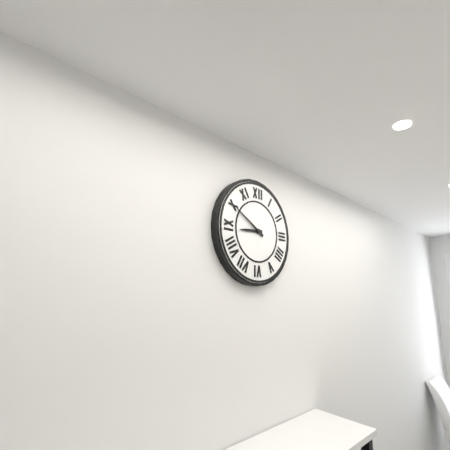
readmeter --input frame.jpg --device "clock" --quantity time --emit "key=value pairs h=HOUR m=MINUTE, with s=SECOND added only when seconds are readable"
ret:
h=8 m=50
